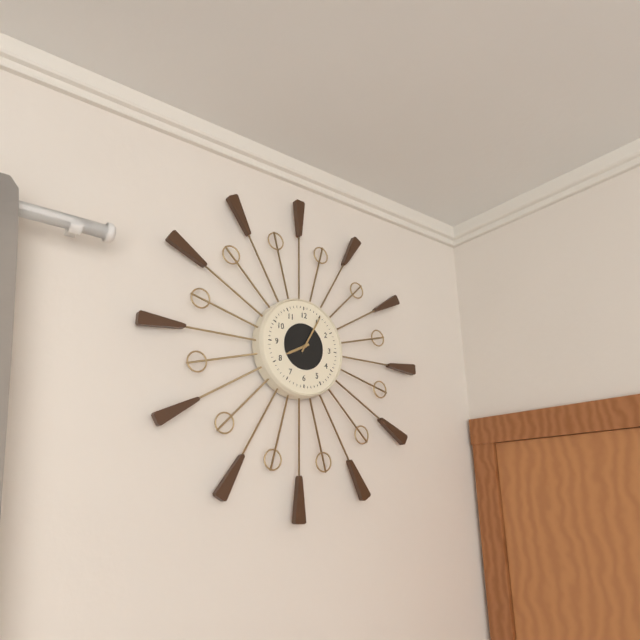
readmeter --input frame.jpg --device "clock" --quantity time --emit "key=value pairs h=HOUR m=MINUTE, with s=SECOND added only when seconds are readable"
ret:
h=8 m=5
